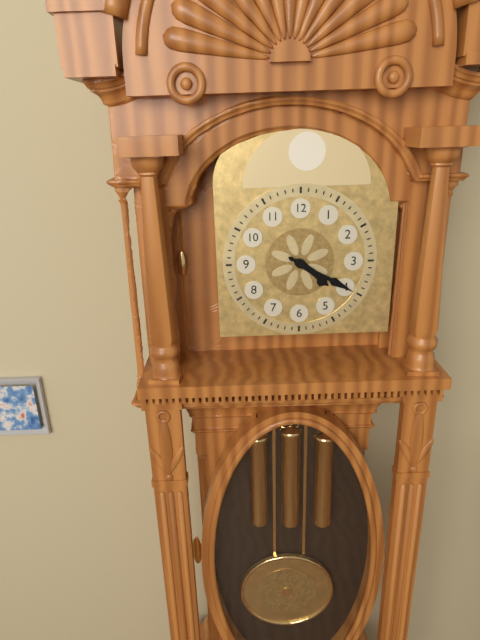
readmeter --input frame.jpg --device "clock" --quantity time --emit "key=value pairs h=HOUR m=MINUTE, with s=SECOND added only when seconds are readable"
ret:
h=4 m=20
